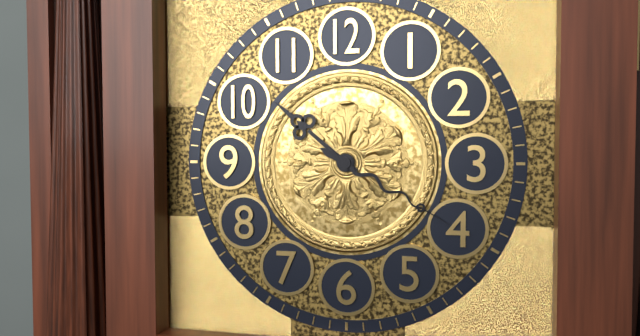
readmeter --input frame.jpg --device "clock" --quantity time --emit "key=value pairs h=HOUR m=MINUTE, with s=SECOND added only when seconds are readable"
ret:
h=10 m=20
